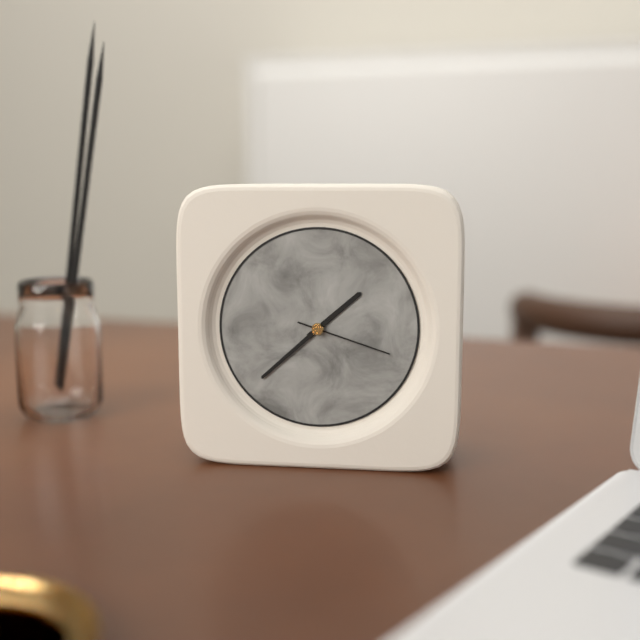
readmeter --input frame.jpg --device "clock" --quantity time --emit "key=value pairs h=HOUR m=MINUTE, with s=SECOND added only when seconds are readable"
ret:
h=1 m=38 s=18
